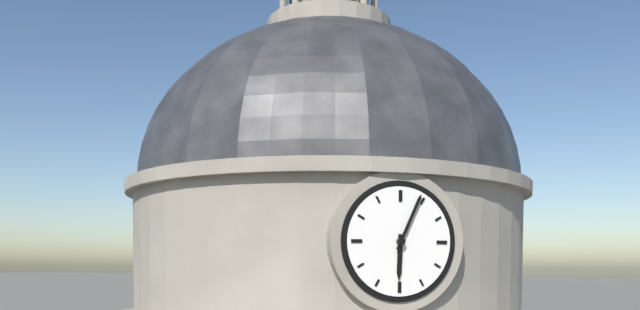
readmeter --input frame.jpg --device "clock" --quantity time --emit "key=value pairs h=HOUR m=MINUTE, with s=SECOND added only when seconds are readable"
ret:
h=6 m=4
